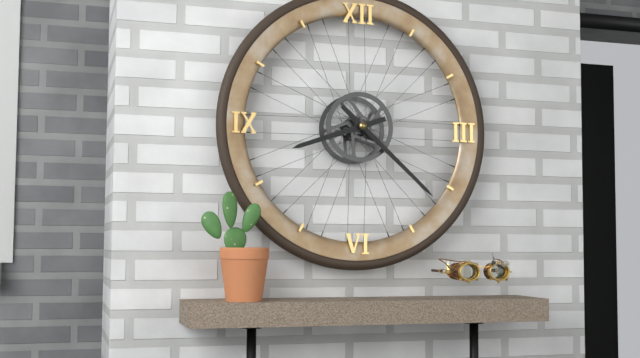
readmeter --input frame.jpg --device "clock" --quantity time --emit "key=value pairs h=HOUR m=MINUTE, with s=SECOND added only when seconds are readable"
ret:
h=8 m=22
